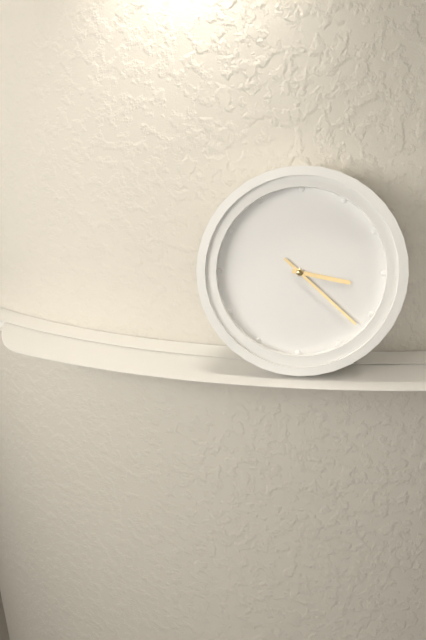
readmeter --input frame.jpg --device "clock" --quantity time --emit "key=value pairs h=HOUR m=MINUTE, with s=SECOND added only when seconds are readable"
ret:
h=3 m=22
